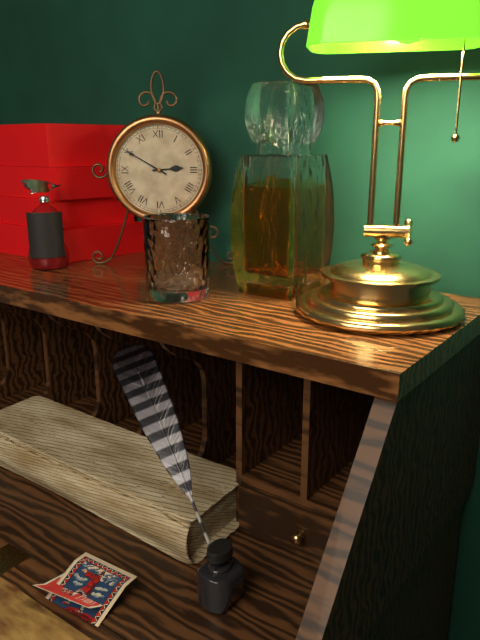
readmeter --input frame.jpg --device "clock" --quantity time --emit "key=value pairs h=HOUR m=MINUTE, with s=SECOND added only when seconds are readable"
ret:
h=2 m=50
